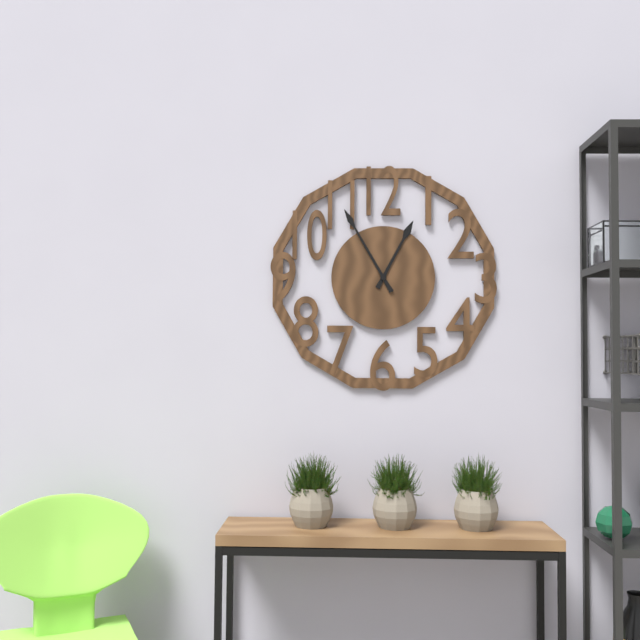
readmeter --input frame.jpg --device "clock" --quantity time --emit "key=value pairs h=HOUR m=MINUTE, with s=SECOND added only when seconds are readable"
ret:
h=12 m=55
